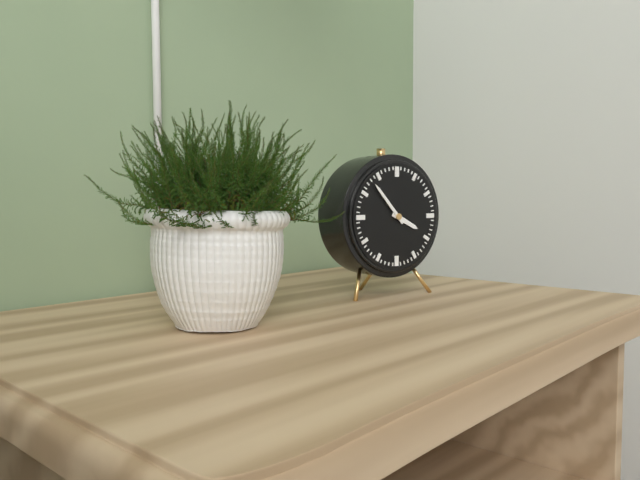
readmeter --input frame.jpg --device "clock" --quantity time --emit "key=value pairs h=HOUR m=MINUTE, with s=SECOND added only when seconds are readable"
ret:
h=3 m=53
